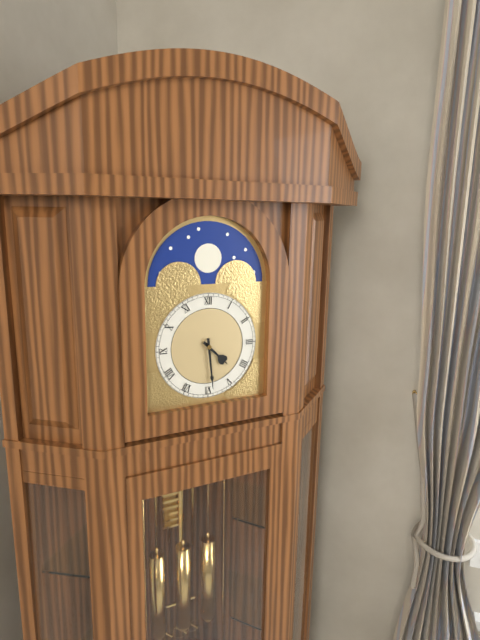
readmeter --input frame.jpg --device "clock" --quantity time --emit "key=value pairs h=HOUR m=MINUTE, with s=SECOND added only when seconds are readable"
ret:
h=4 m=29
